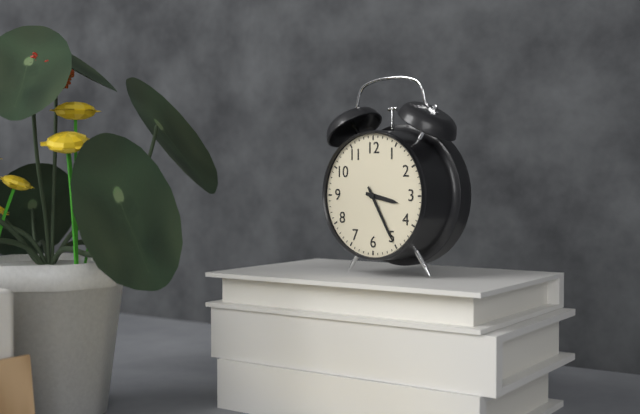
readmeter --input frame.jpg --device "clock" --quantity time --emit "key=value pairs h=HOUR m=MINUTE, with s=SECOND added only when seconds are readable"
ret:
h=3 m=25
